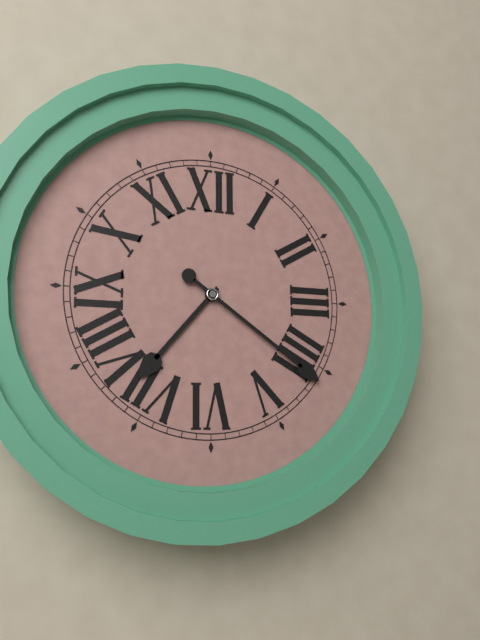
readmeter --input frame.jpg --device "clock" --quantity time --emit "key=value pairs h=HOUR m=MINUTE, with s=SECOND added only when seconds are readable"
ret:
h=7 m=21
